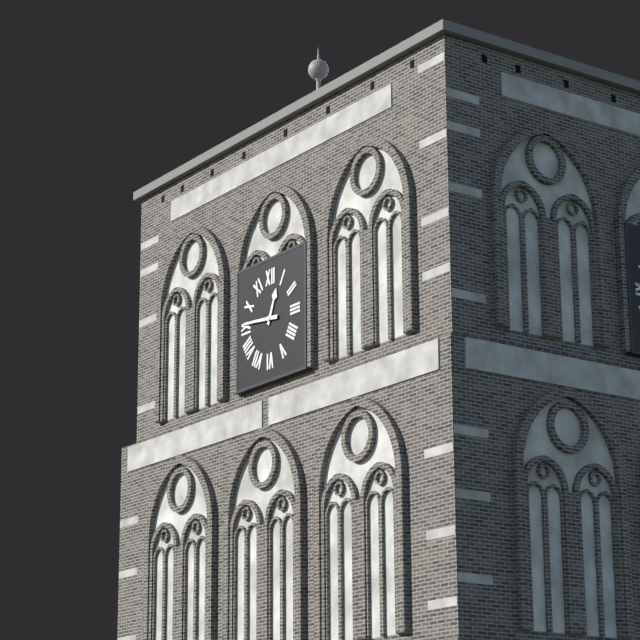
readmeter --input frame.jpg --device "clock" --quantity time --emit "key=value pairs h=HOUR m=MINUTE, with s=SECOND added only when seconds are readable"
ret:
h=12 m=46
